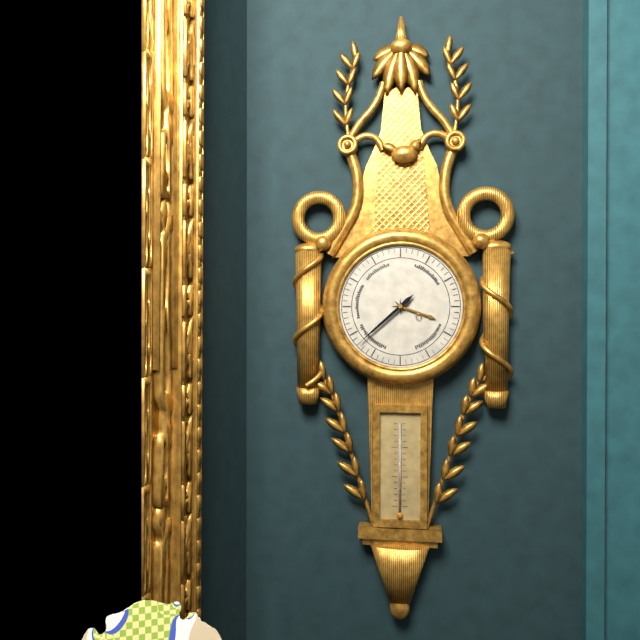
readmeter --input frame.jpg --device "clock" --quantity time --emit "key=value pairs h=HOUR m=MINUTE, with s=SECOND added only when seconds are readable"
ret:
h=3 m=38
